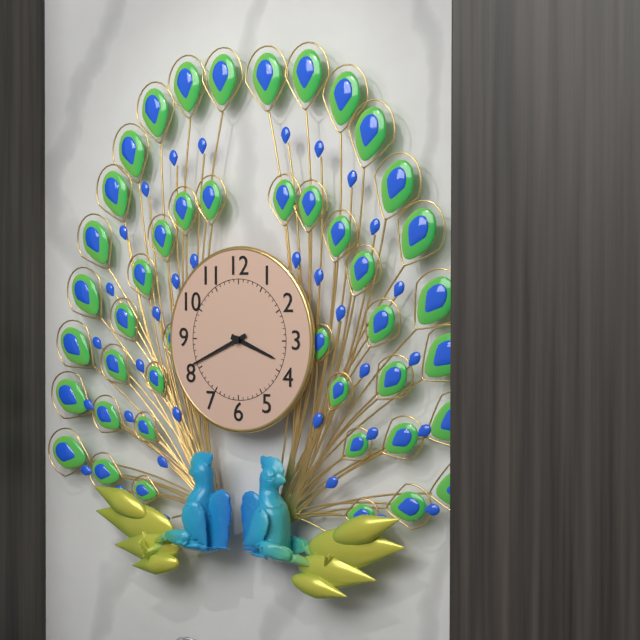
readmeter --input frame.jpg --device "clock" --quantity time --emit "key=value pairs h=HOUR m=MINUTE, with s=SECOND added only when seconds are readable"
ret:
h=3 m=41
